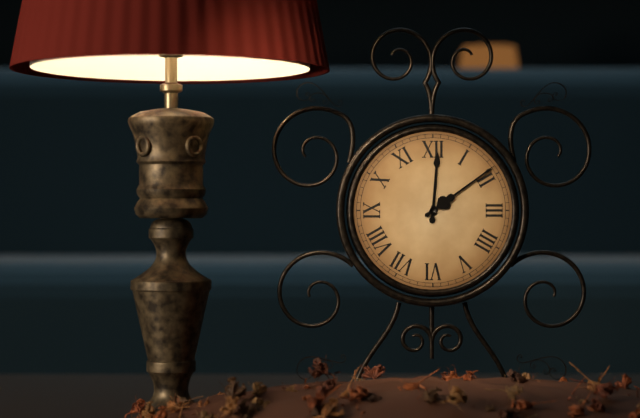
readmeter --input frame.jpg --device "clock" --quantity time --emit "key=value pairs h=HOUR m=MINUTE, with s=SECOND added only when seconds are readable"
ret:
h=12 m=9
